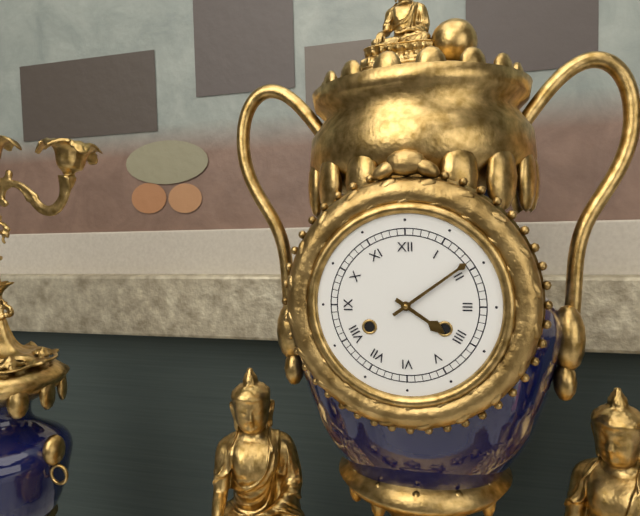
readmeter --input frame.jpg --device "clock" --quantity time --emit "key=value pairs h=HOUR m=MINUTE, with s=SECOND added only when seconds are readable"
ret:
h=4 m=9
